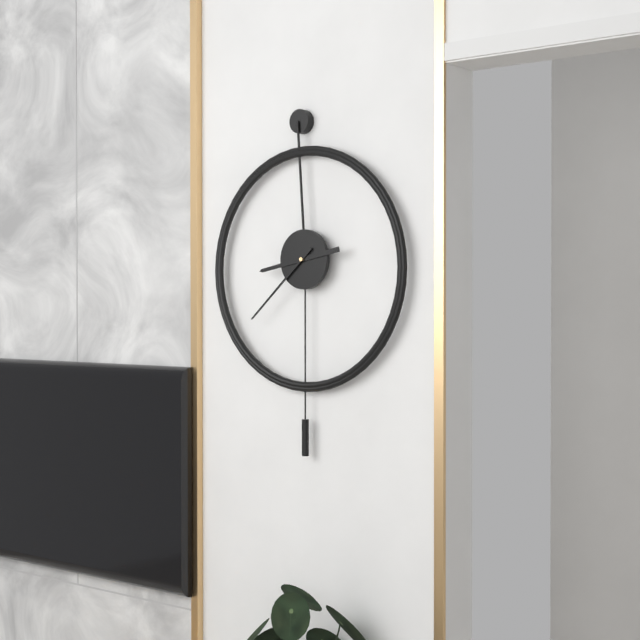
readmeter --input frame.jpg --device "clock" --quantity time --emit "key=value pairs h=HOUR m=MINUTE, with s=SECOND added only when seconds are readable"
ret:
h=8 m=38
